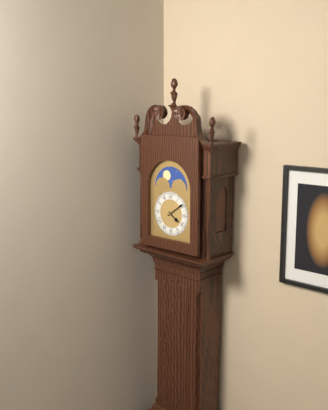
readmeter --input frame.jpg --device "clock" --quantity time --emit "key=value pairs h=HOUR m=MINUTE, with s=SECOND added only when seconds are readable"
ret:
h=4 m=9
